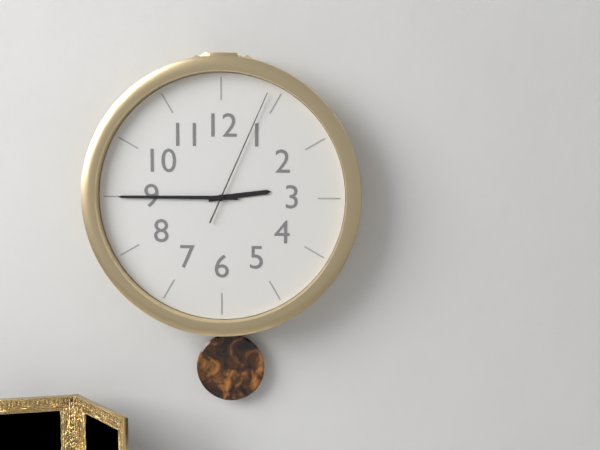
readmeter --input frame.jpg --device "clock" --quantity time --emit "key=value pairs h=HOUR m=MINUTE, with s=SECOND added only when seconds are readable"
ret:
h=2 m=45 s=4
